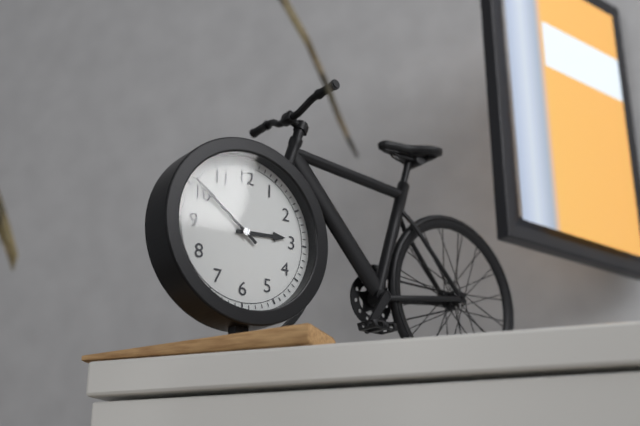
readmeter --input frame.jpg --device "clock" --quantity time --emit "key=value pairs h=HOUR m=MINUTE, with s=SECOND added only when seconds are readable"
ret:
h=2 m=51
